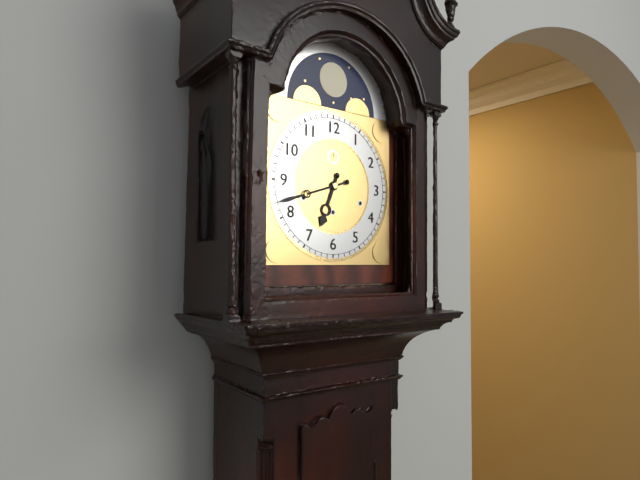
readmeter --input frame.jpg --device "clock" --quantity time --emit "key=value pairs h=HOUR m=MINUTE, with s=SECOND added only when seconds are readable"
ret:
h=6 m=42
